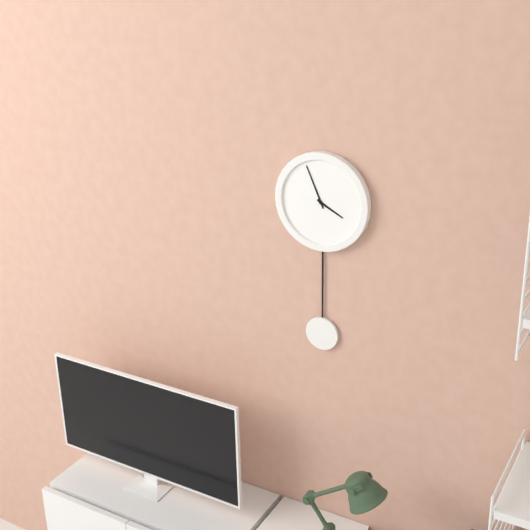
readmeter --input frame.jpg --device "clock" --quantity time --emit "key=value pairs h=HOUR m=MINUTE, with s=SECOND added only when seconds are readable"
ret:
h=3 m=56
